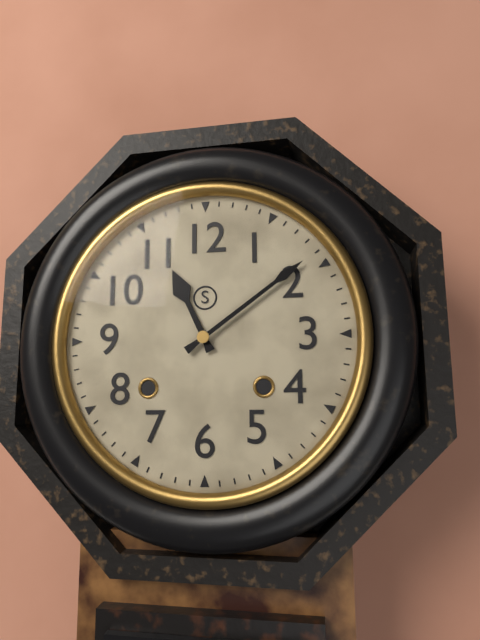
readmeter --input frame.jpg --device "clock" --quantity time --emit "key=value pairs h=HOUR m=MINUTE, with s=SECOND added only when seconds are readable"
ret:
h=11 m=9
